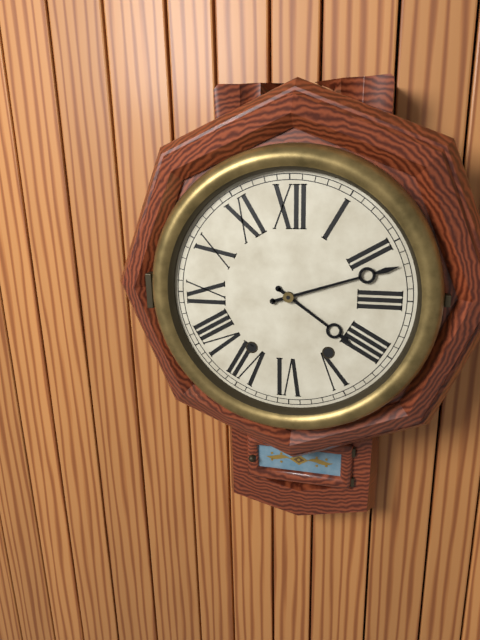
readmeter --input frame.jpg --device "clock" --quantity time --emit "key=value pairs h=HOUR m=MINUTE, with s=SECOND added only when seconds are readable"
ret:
h=4 m=12
